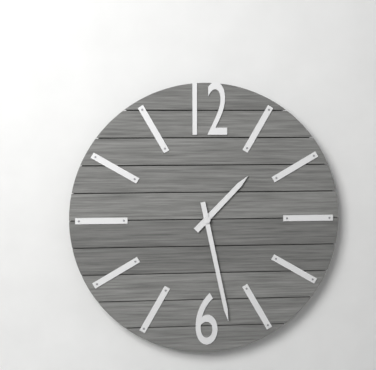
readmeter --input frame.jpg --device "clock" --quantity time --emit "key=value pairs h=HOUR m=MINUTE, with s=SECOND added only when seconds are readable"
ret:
h=1 m=28
